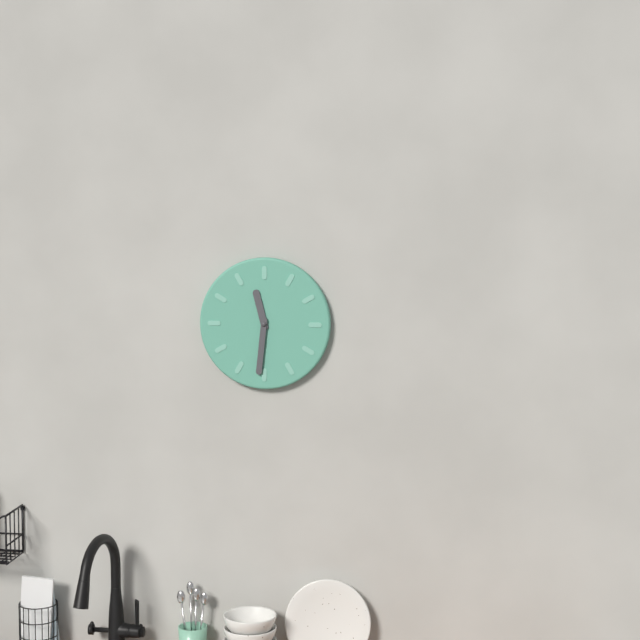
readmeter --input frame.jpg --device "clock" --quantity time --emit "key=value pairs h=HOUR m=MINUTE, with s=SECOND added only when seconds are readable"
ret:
h=11 m=31
